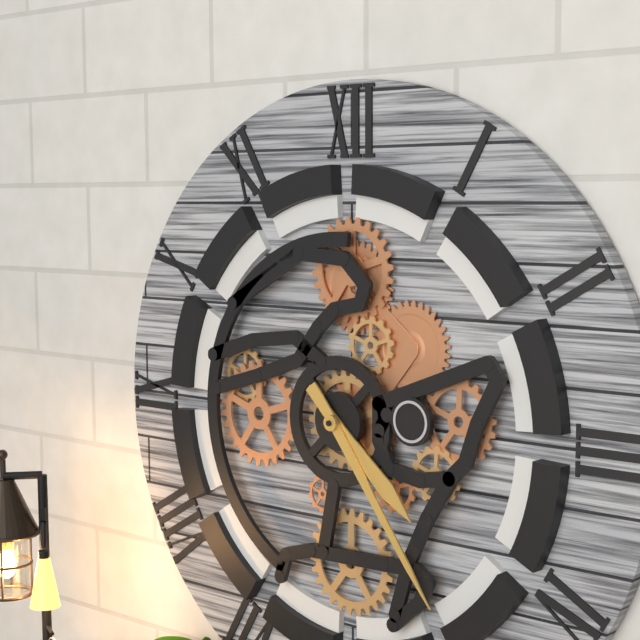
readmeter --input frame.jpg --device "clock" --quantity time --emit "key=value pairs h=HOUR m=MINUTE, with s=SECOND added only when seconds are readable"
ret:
h=4 m=24
